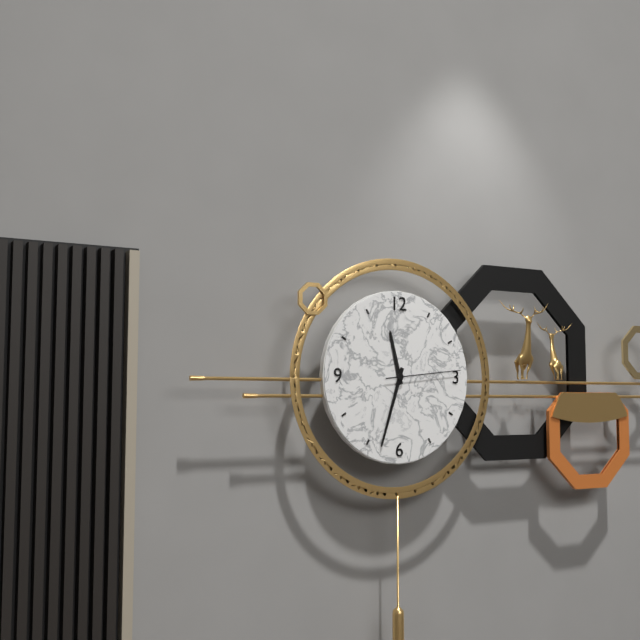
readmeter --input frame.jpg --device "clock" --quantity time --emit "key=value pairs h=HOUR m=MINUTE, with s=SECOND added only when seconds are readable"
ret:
h=11 m=33 s=14
